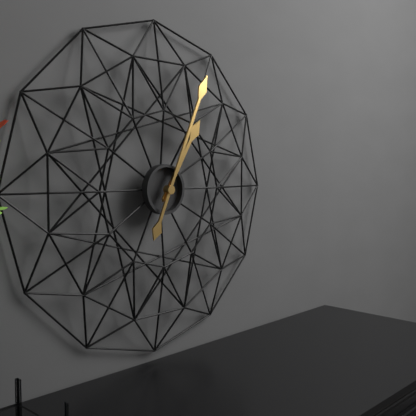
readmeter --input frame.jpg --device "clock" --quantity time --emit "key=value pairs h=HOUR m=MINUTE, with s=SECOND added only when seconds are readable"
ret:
h=1 m=4
